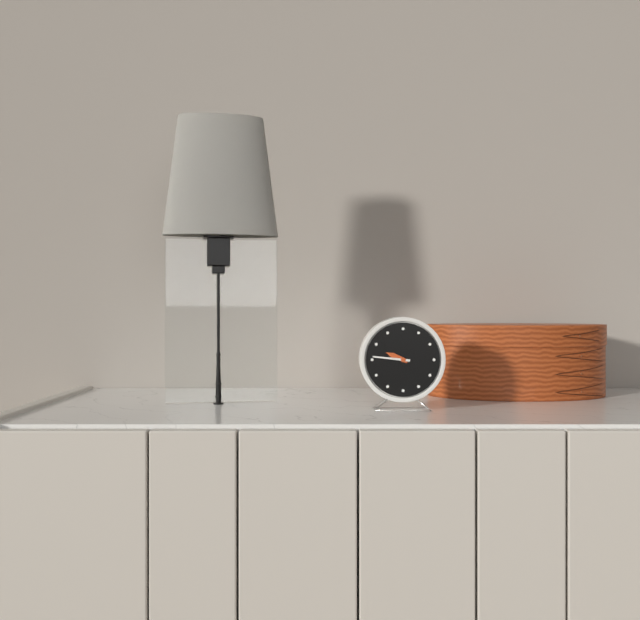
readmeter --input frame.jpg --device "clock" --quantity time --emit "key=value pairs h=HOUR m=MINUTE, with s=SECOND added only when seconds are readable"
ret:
h=9 m=46
